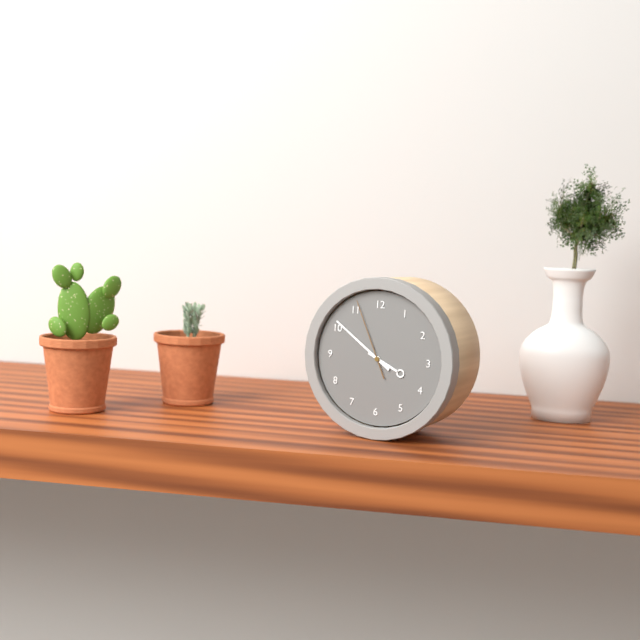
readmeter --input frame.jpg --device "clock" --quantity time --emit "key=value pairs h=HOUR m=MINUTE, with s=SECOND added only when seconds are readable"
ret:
h=3 m=51 s=56
